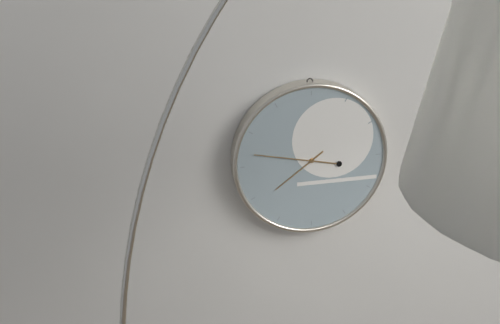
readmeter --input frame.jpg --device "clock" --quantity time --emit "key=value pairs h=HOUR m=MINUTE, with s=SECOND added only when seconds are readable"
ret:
h=7 m=47
